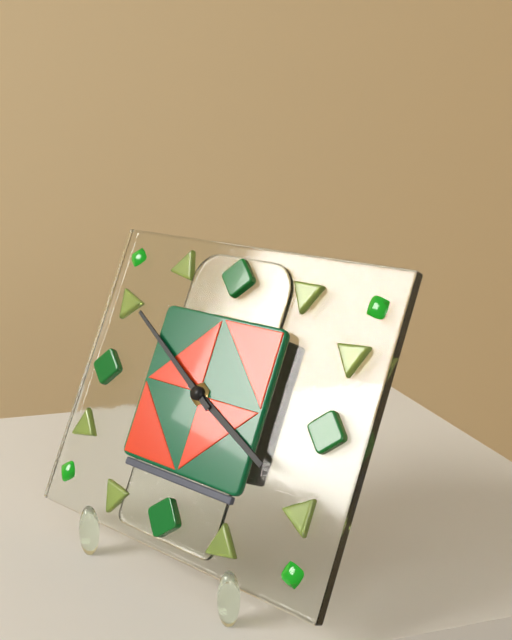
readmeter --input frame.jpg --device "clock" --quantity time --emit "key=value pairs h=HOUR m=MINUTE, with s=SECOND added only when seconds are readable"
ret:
h=3 m=50
